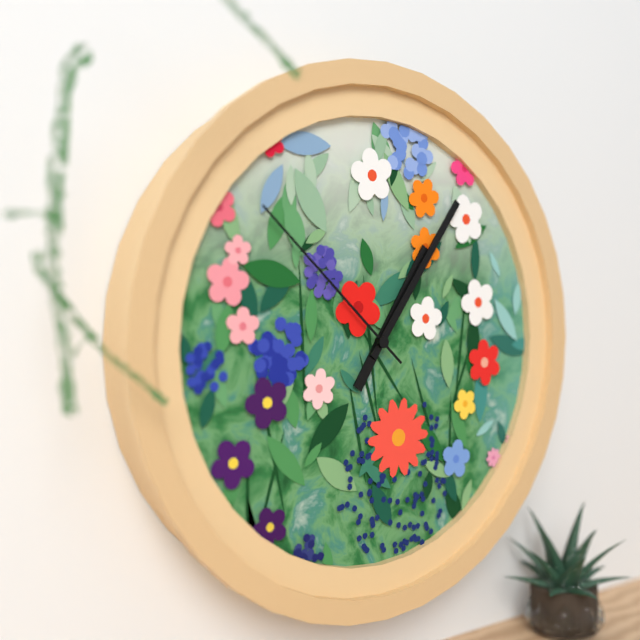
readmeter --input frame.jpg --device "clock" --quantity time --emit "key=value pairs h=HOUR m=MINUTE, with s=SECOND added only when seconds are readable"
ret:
h=1 m=6 s=52
